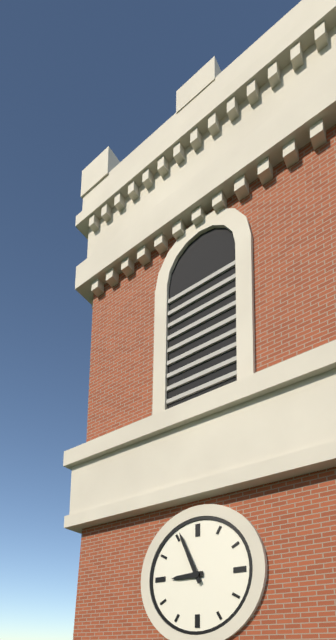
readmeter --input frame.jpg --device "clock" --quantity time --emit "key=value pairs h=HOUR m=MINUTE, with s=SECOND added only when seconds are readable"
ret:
h=8 m=56
